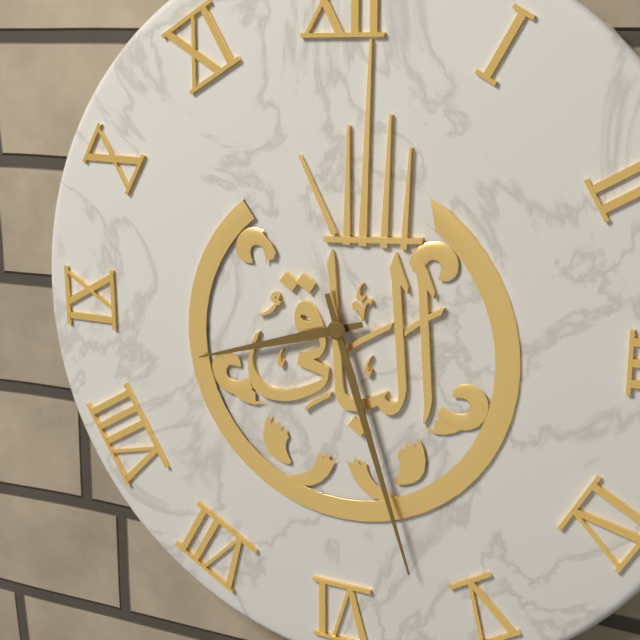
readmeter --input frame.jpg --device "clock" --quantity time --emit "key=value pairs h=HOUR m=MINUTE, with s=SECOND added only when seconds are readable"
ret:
h=8 m=27
